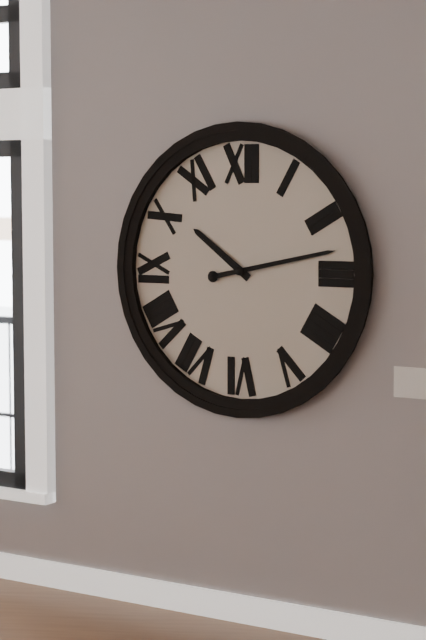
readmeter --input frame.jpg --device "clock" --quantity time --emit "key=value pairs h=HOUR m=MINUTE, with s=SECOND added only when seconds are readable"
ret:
h=10 m=13
